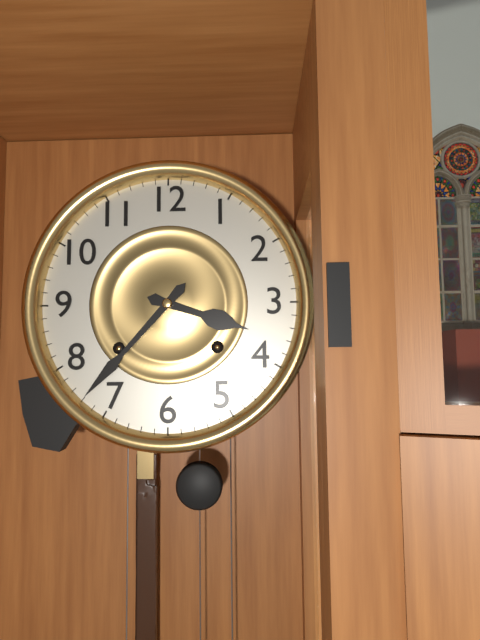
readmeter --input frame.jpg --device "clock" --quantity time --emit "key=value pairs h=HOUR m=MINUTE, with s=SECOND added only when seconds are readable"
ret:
h=3 m=37
